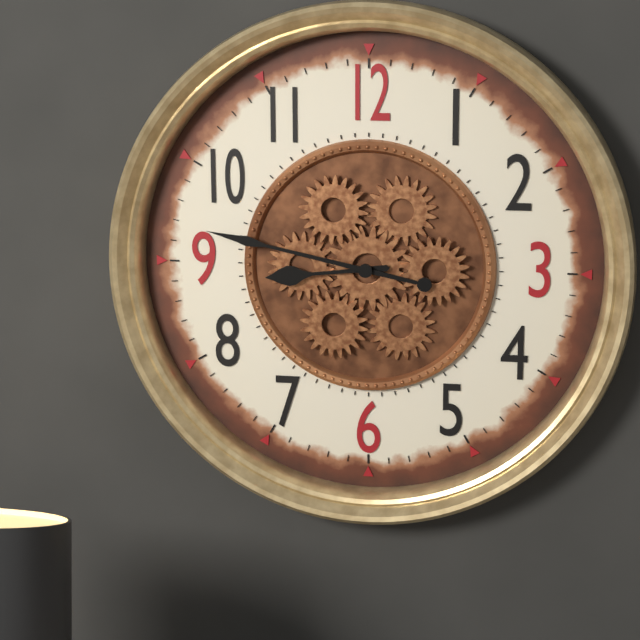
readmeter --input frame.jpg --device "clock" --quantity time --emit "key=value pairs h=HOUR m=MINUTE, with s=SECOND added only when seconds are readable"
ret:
h=8 m=47
